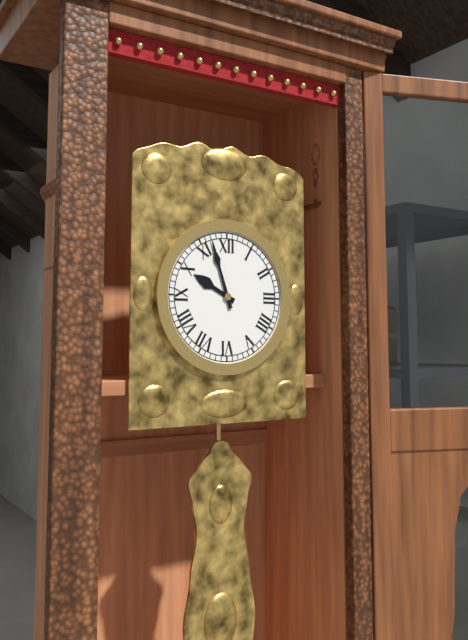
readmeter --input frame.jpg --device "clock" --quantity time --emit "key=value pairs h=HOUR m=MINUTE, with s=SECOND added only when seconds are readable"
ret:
h=9 m=57
